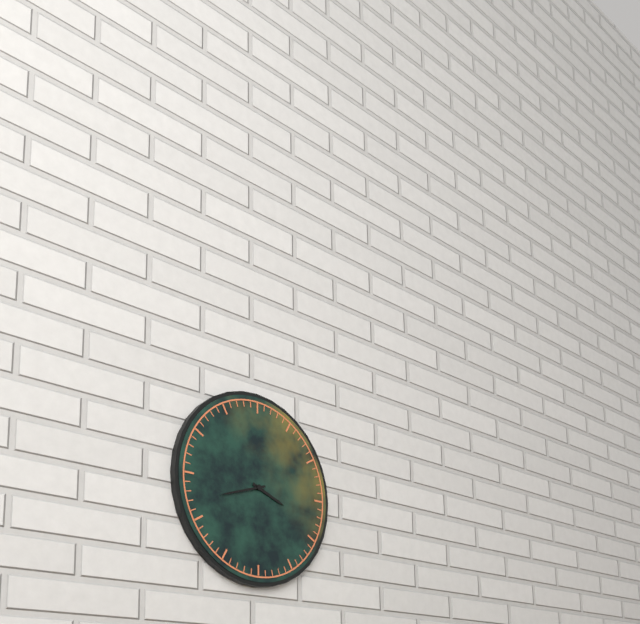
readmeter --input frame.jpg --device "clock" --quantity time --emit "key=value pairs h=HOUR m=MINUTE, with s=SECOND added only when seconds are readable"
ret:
h=3 m=42
